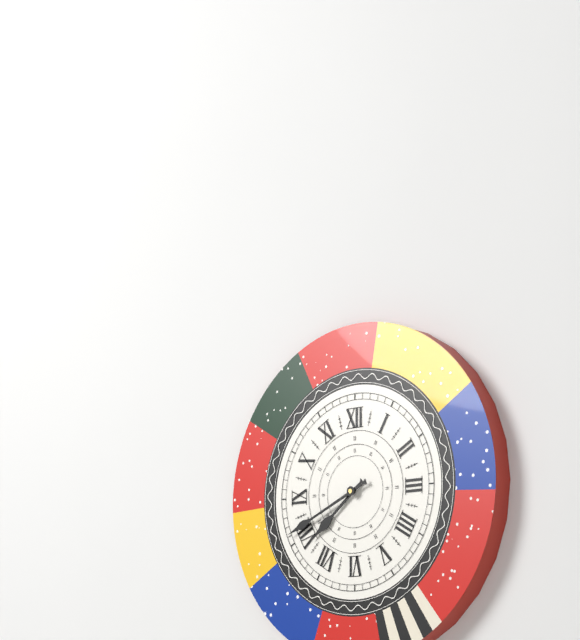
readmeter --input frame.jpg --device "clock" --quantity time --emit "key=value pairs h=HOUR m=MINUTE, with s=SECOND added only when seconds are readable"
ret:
h=7 m=41
